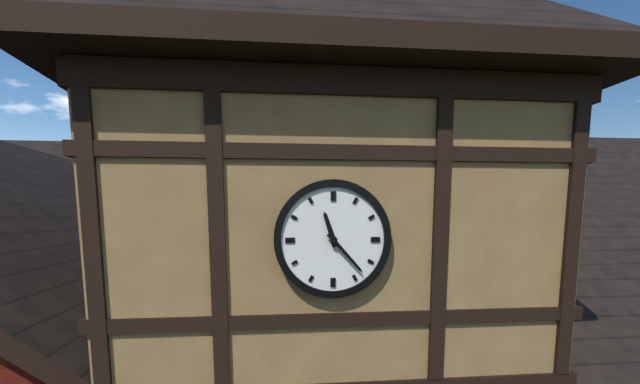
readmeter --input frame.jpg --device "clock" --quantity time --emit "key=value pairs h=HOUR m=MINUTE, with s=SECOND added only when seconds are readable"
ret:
h=11 m=23
